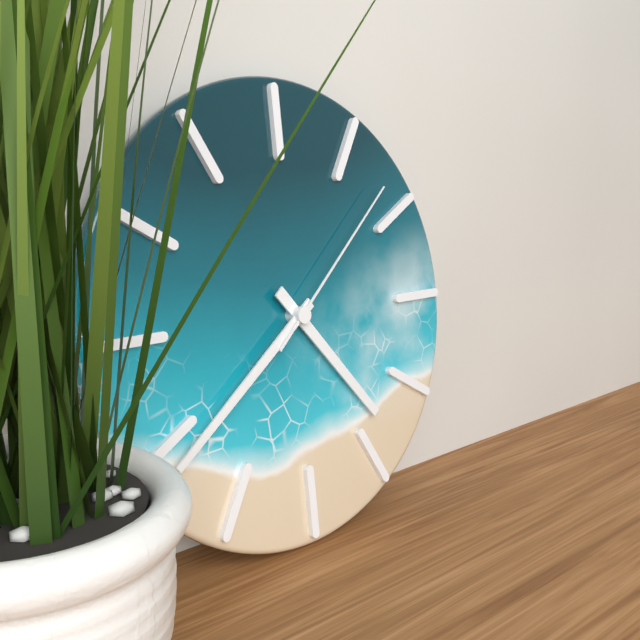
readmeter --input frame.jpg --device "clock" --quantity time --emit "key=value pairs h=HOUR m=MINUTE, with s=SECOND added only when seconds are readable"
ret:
h=4 m=39 s=8
